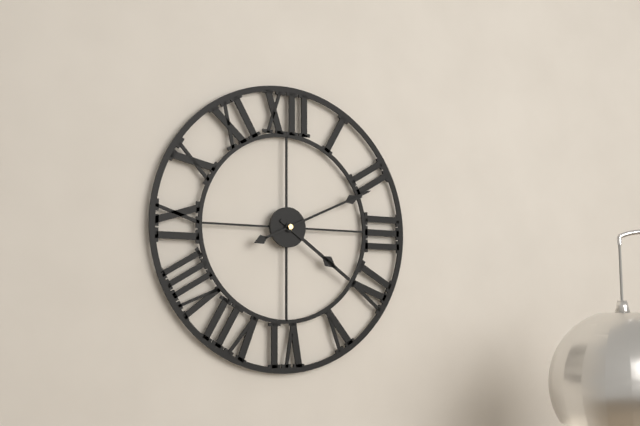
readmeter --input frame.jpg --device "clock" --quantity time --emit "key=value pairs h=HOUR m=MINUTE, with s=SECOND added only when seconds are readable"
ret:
h=4 m=11
